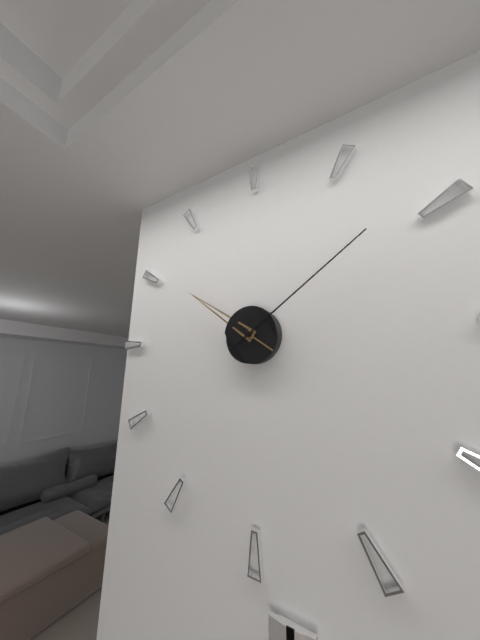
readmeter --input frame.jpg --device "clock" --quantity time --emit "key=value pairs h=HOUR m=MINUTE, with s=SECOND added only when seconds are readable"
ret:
h=10 m=9
